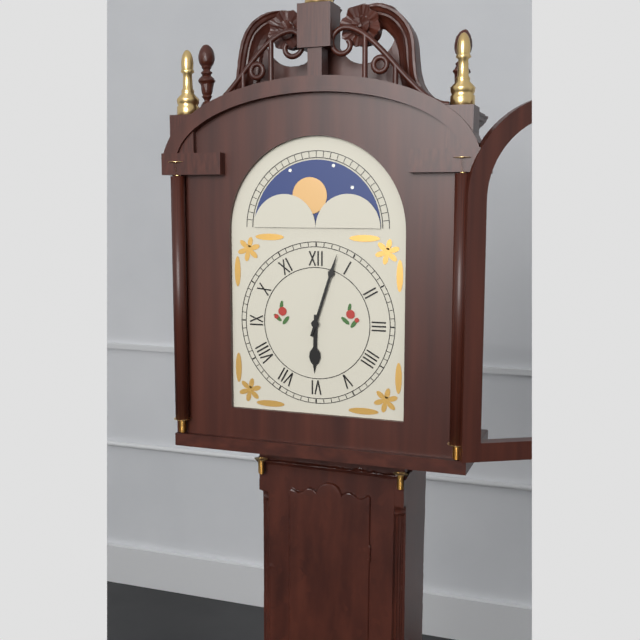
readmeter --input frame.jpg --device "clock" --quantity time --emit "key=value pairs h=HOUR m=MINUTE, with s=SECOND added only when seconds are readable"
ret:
h=6 m=3
